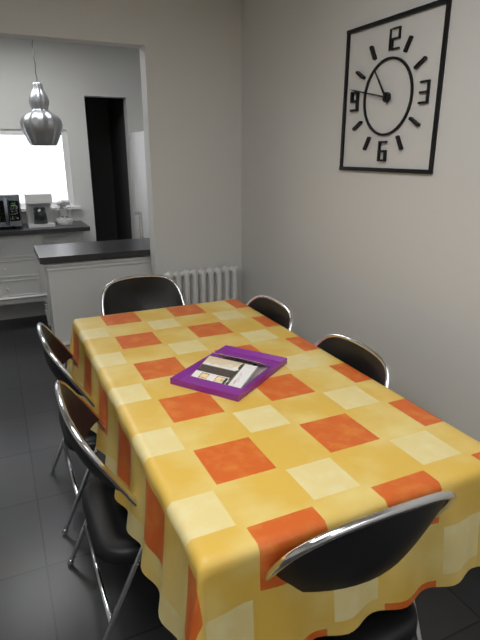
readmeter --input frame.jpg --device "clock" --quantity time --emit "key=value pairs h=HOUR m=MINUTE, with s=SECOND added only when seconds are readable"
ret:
h=10 m=47
